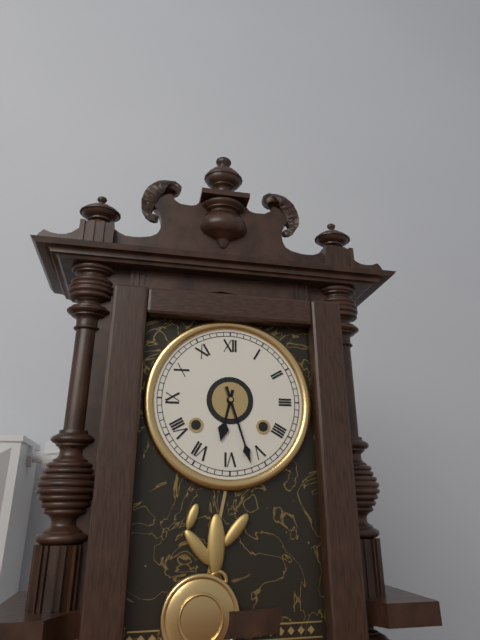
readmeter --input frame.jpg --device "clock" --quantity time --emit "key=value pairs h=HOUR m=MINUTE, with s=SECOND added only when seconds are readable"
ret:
h=6 m=27
